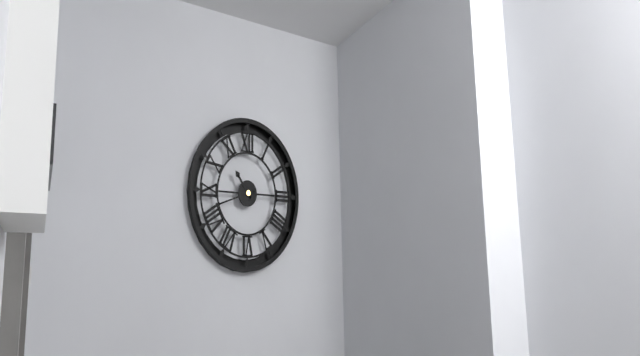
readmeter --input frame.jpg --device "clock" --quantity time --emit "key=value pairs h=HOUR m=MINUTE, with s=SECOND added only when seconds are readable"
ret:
h=10 m=42
